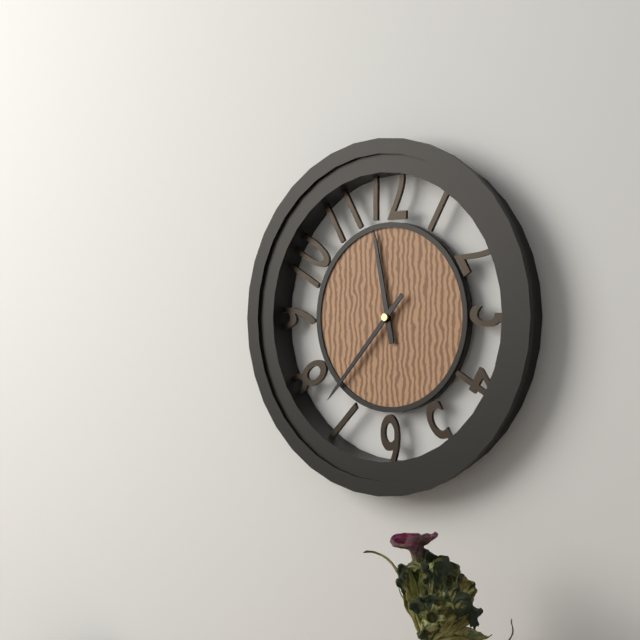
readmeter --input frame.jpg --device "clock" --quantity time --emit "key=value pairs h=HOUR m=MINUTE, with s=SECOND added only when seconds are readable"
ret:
h=11 m=37
